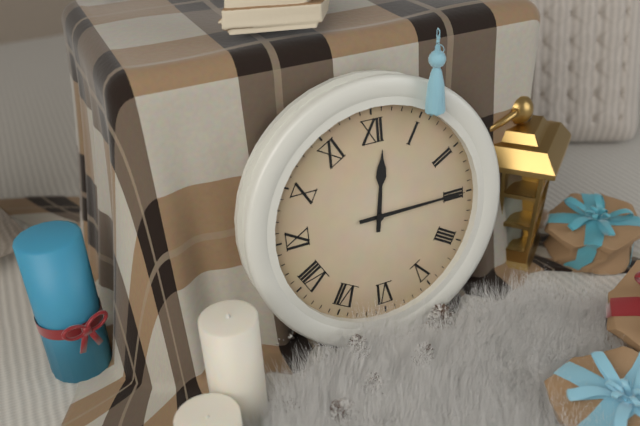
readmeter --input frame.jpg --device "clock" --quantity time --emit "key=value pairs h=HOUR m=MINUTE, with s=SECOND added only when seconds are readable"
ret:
h=12 m=15
